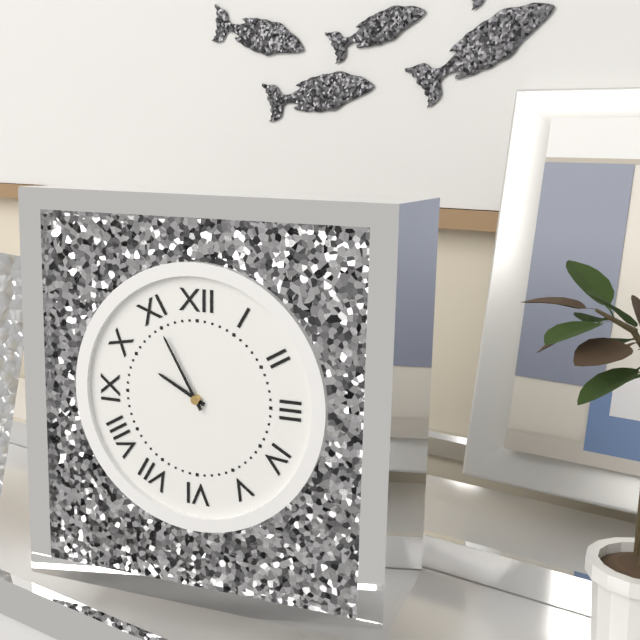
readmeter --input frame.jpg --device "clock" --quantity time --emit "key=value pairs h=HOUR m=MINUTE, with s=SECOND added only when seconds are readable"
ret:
h=9 m=55
